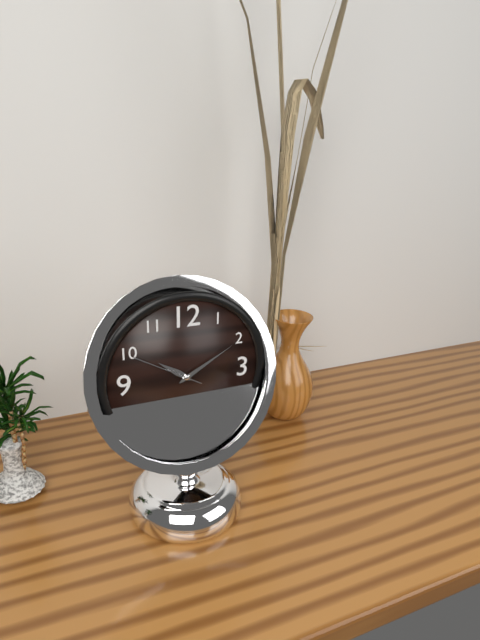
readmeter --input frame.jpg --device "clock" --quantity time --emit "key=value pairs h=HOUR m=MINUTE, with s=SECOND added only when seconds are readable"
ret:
h=10 m=10 s=50
